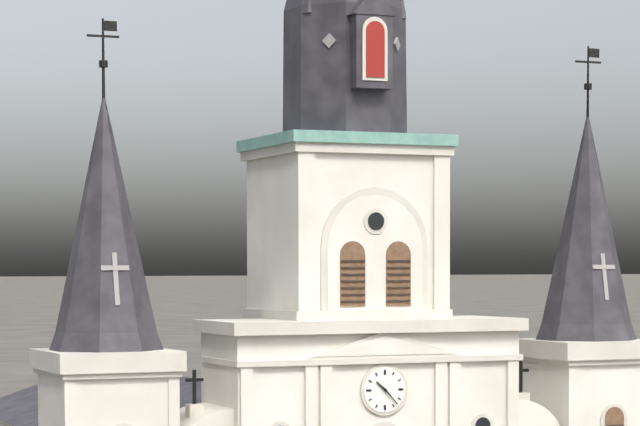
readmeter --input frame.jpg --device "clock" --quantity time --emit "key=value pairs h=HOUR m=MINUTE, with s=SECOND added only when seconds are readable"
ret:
h=10 m=23
